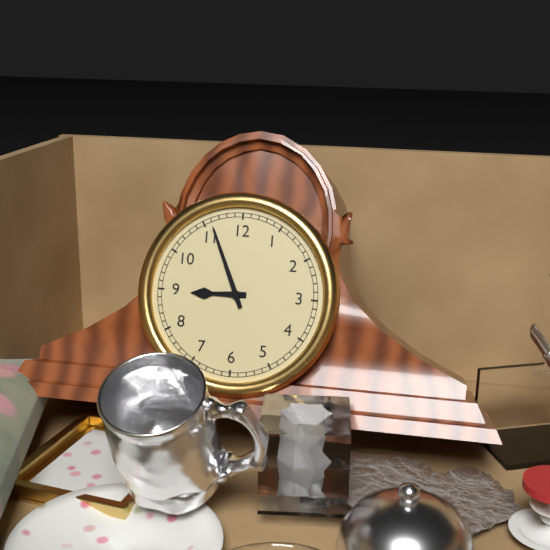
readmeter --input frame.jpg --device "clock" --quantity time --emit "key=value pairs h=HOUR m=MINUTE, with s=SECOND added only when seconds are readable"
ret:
h=8 m=56
